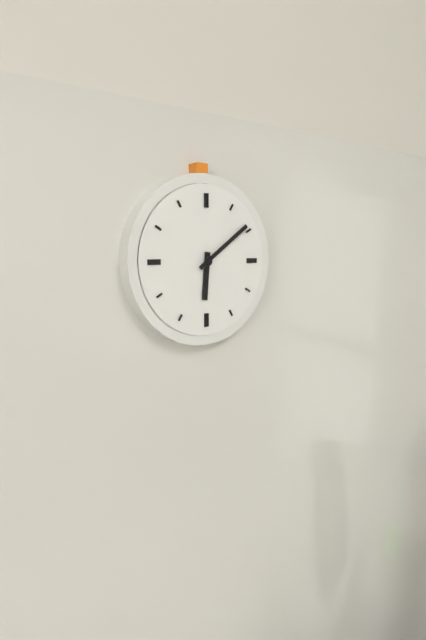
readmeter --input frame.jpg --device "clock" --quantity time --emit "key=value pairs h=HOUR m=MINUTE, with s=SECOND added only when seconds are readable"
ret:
h=6 m=9
